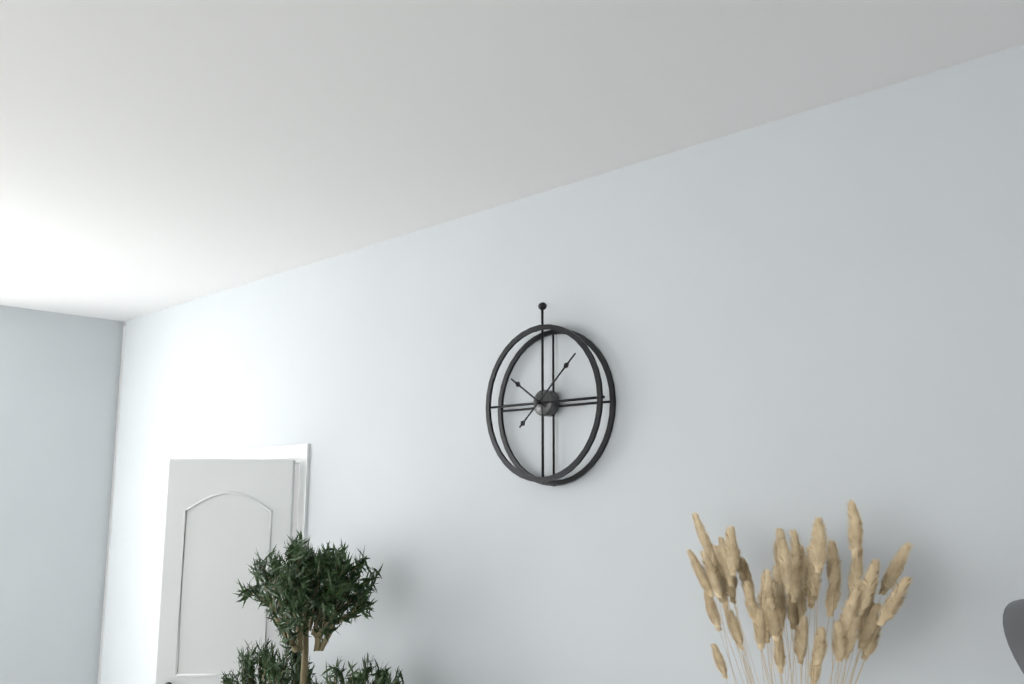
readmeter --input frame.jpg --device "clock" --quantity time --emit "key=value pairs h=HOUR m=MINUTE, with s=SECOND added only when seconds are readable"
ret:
h=10 m=8
